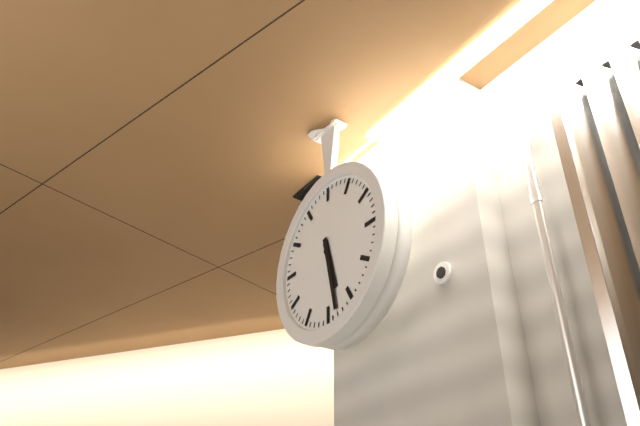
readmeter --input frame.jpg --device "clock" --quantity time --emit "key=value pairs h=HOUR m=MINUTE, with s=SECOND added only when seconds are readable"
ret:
h=5 m=28
